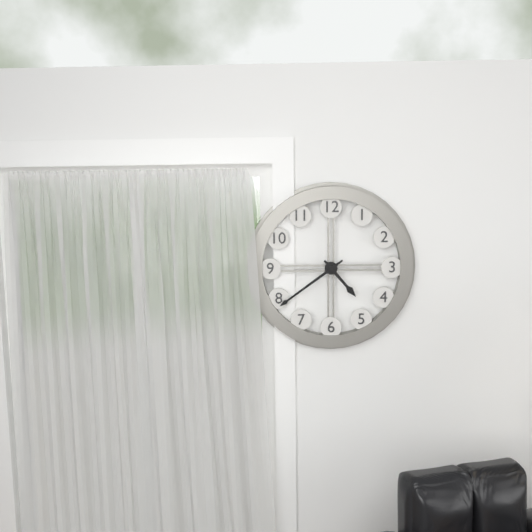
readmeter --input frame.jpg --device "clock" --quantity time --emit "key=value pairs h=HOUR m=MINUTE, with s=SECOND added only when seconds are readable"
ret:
h=4 m=39
